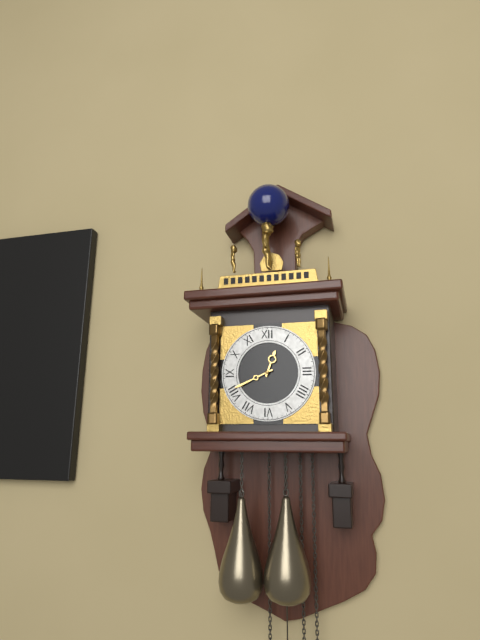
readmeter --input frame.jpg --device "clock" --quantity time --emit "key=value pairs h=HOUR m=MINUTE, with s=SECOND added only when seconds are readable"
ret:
h=12 m=41
